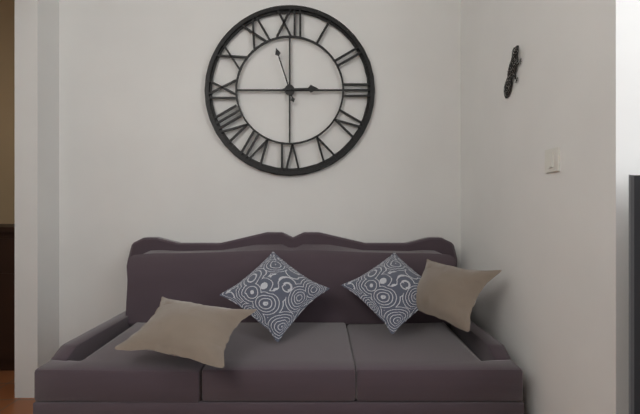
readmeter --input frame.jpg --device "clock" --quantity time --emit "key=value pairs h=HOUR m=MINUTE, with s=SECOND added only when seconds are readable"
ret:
h=2 m=57
